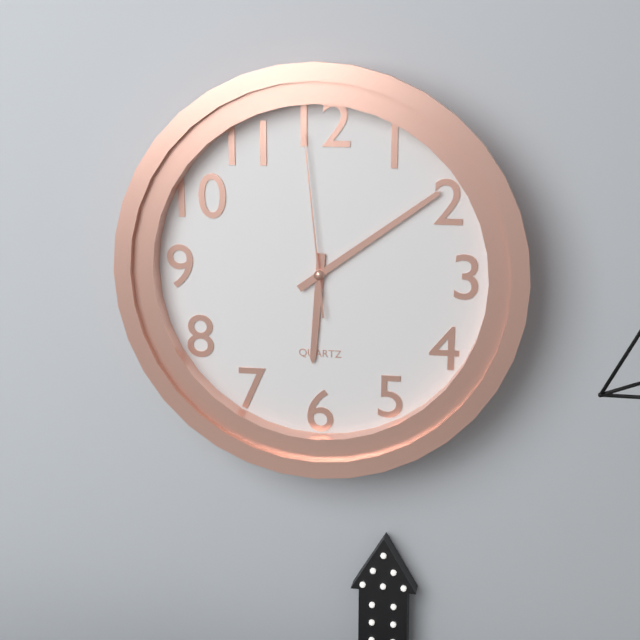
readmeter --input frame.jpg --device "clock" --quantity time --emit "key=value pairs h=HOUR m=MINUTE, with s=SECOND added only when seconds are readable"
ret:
h=6 m=9 s=59
